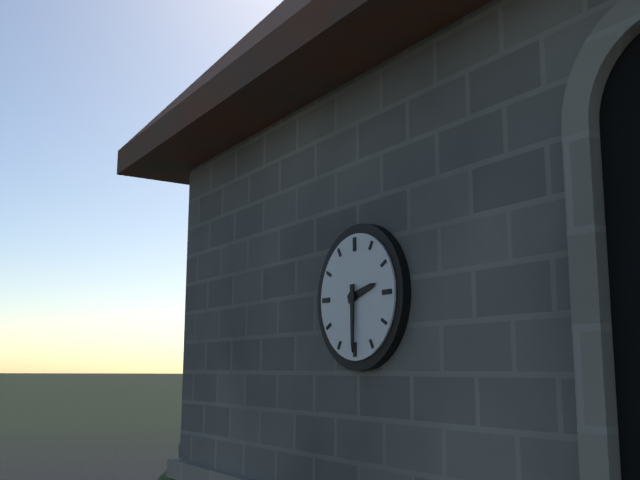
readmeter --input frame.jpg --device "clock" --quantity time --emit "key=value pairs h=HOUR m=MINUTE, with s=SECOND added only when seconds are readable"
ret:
h=2 m=30
